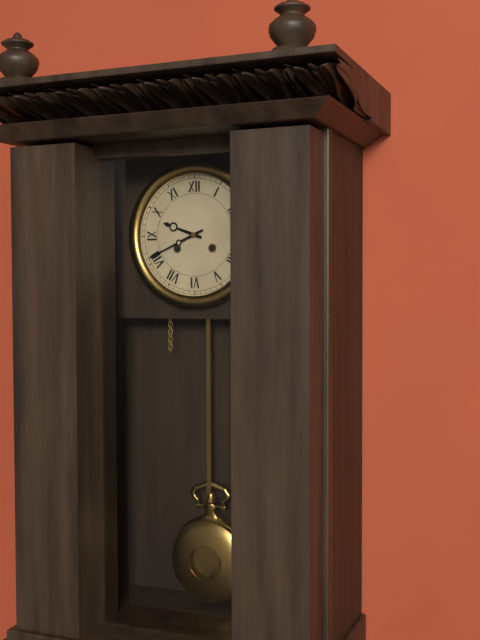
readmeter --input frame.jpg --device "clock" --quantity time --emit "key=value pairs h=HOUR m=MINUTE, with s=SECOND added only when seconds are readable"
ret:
h=9 m=41
